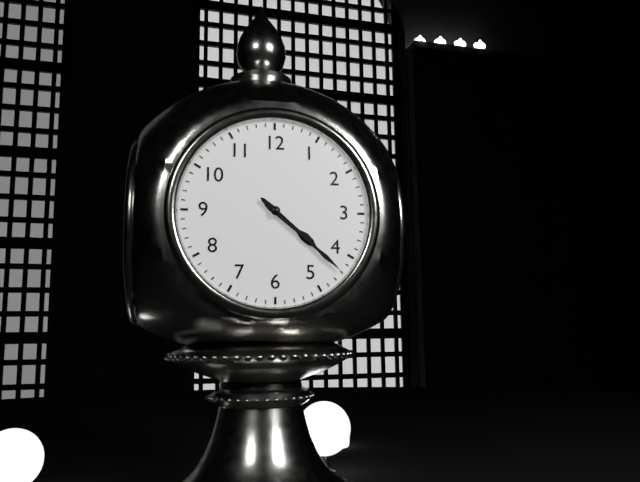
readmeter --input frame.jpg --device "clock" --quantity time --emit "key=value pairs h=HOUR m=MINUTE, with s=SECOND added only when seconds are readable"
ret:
h=4 m=22
